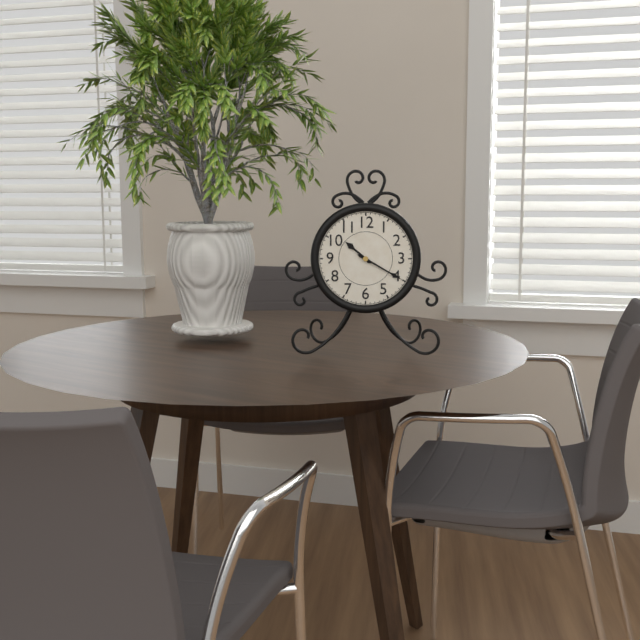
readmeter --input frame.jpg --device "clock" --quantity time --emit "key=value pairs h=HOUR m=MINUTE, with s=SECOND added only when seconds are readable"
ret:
h=10 m=20
